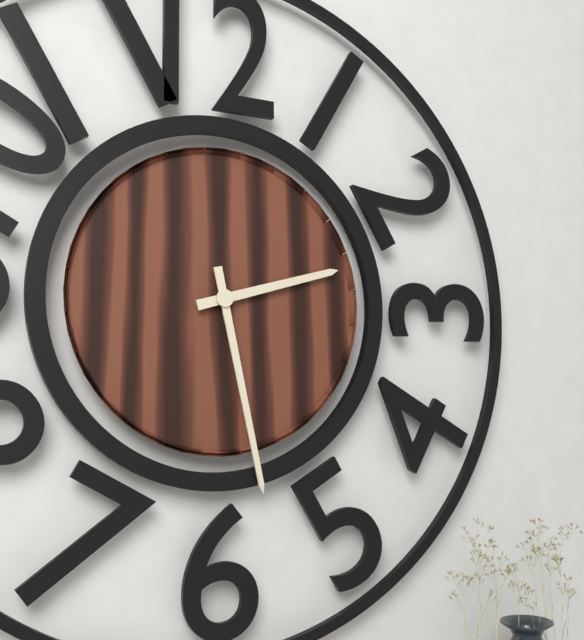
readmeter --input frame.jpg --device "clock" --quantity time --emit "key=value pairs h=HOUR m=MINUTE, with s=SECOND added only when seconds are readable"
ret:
h=2 m=28
